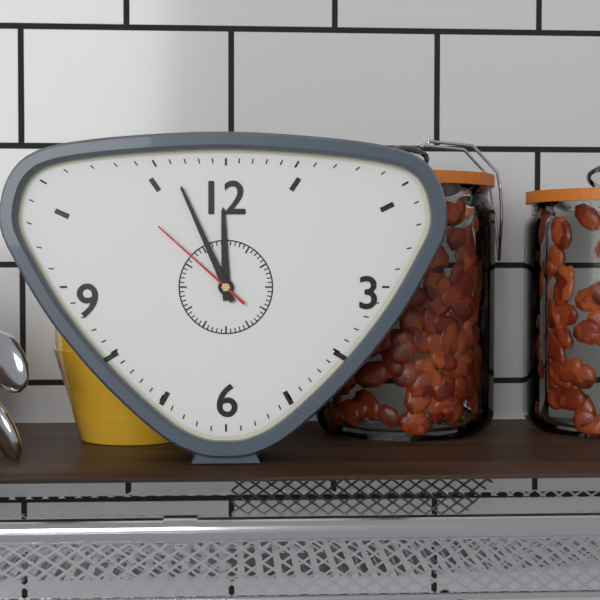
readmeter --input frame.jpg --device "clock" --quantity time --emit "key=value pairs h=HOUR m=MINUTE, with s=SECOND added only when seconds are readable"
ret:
h=11 m=56 s=52
